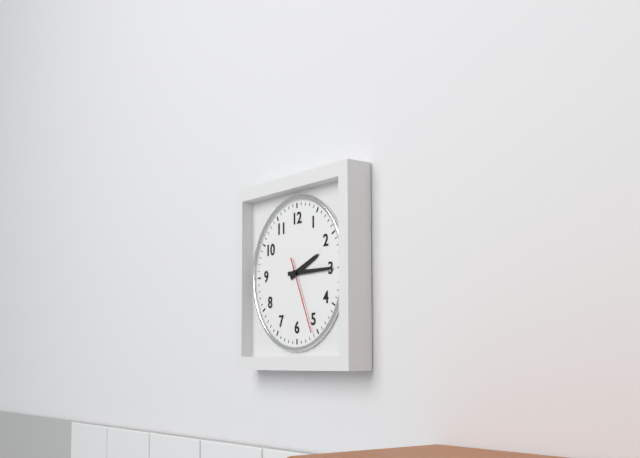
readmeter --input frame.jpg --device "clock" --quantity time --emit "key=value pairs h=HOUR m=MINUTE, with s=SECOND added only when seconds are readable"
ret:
h=2 m=15 s=26
